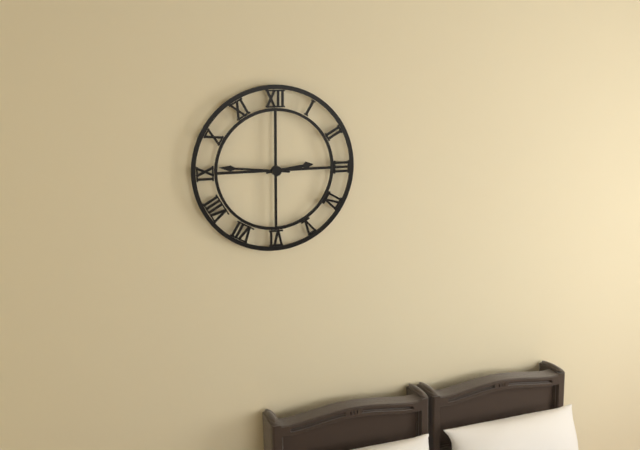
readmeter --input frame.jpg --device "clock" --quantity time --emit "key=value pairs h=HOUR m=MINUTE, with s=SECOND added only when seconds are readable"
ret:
h=2 m=46
